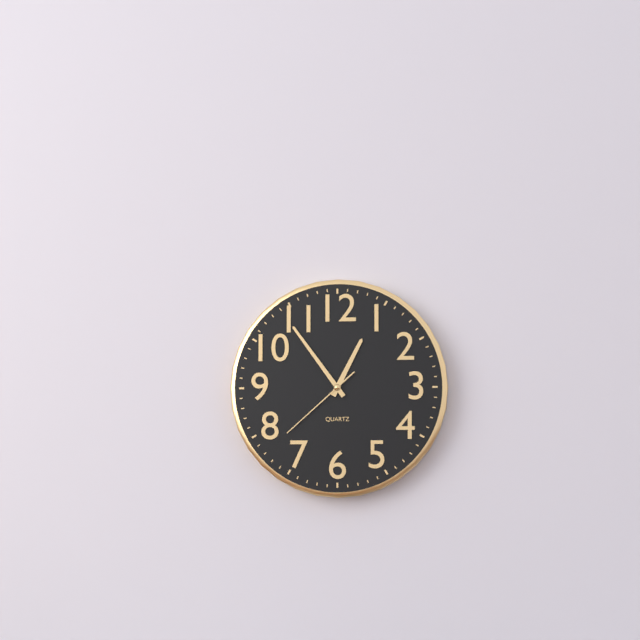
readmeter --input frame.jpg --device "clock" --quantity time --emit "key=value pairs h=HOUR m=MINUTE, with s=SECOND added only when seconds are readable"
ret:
h=12 m=54 s=38
